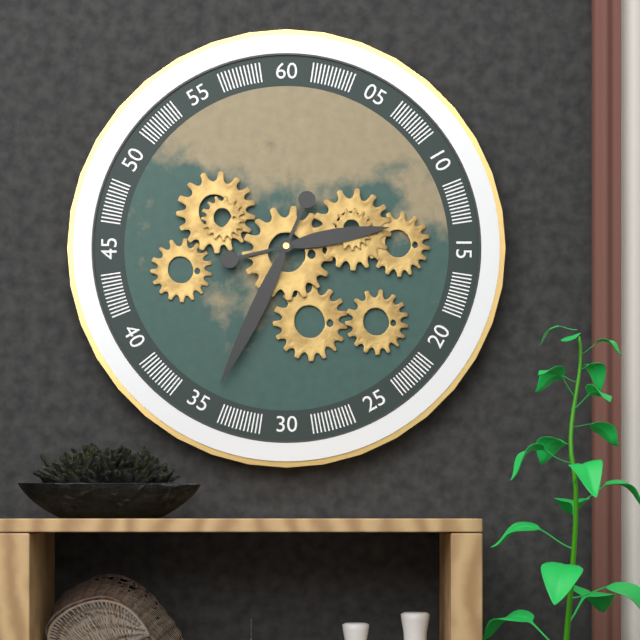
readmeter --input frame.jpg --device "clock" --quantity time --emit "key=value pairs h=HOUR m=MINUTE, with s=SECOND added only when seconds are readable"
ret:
h=2 m=34
